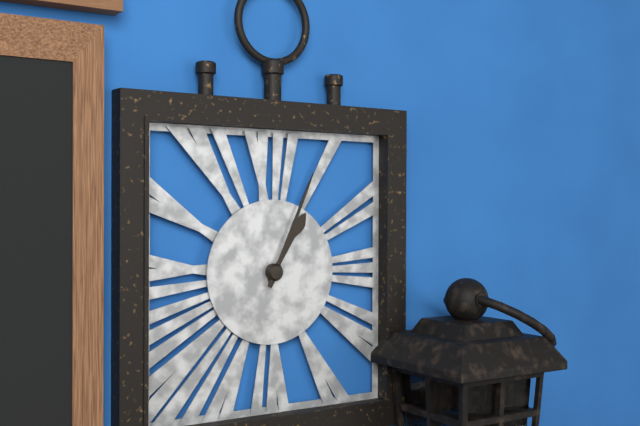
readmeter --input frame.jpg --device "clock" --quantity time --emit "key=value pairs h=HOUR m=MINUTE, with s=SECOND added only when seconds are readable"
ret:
h=1 m=4
